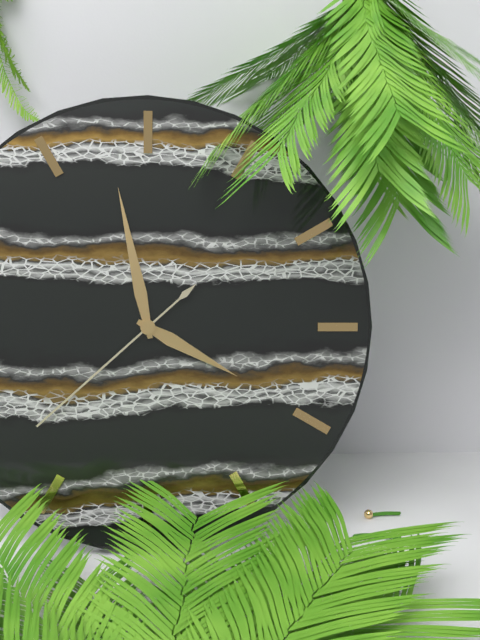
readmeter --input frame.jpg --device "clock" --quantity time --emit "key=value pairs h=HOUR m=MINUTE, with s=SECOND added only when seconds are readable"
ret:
h=3 m=58 s=38
